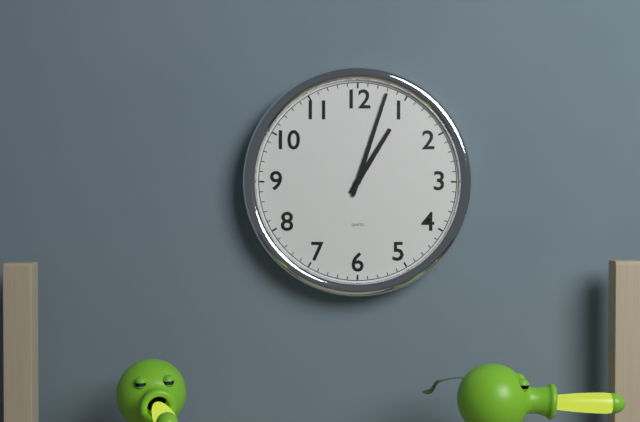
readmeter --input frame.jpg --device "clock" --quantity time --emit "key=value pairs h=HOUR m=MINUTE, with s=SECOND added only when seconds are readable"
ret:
h=1 m=3
